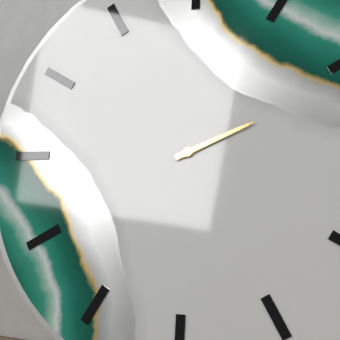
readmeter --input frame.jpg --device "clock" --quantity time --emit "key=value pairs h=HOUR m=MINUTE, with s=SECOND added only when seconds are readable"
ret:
h=2 m=11
